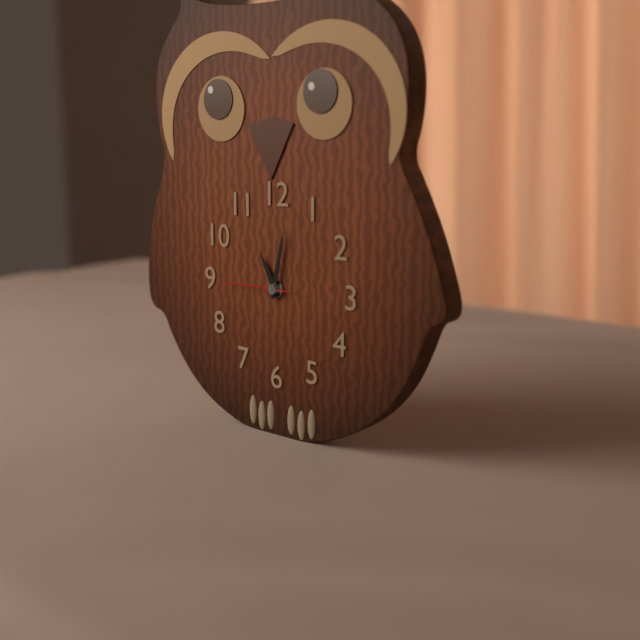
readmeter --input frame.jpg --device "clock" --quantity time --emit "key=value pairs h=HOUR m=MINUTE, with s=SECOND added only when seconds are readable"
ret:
h=11 m=2 s=45
